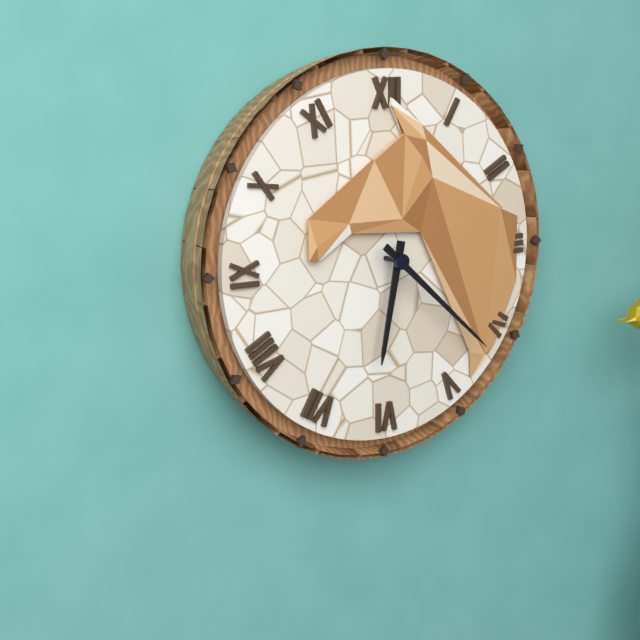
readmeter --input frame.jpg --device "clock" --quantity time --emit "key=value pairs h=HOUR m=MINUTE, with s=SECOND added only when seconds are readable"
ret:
h=6 m=22
